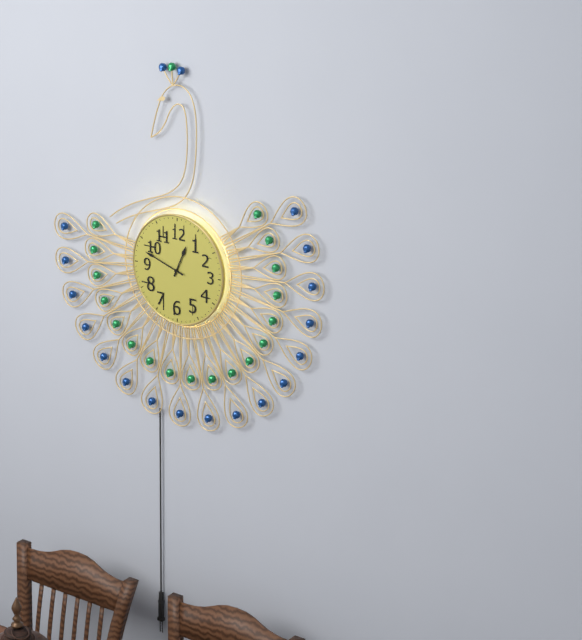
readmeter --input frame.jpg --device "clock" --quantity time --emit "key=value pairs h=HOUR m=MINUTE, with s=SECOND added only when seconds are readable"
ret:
h=12 m=48
